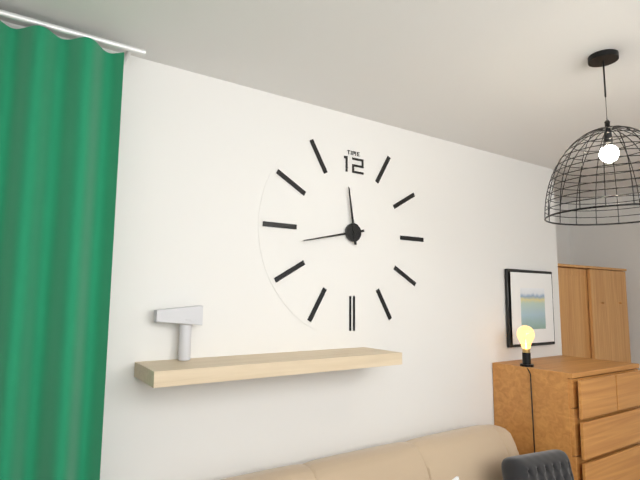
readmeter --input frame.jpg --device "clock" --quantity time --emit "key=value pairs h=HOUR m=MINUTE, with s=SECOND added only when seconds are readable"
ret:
h=11 m=43
